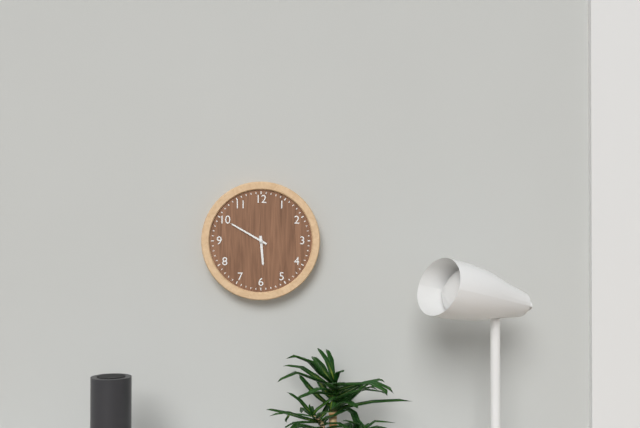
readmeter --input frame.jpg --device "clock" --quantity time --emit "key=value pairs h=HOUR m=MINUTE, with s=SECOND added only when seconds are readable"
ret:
h=5 m=50
